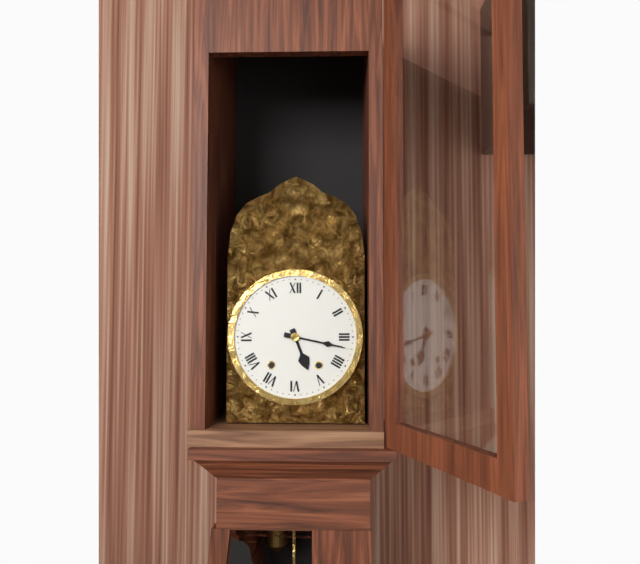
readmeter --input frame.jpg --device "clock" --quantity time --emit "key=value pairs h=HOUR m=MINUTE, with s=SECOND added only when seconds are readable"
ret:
h=5 m=17
